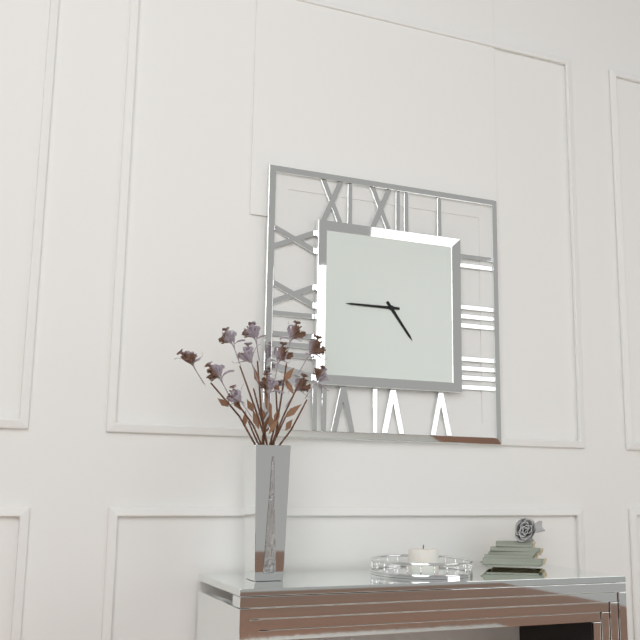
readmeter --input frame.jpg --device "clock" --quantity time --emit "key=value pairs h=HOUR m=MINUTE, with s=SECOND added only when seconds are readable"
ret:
h=4 m=45
